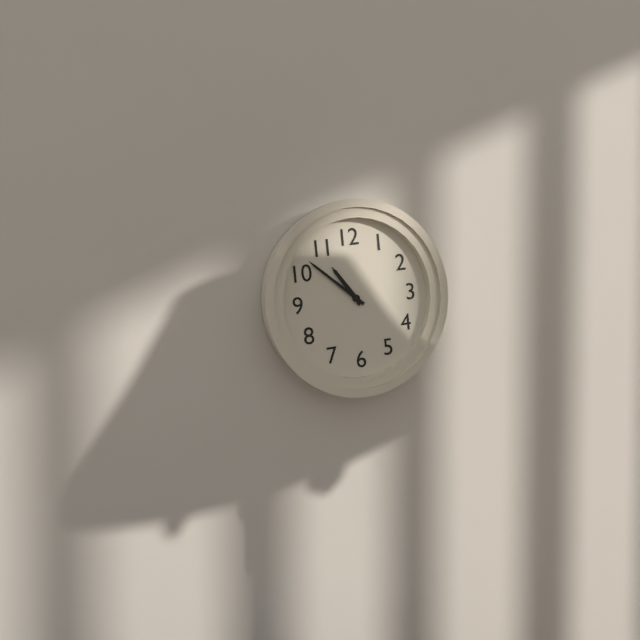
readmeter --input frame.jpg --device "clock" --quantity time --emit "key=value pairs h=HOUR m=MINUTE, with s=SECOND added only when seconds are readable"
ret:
h=10 m=52
